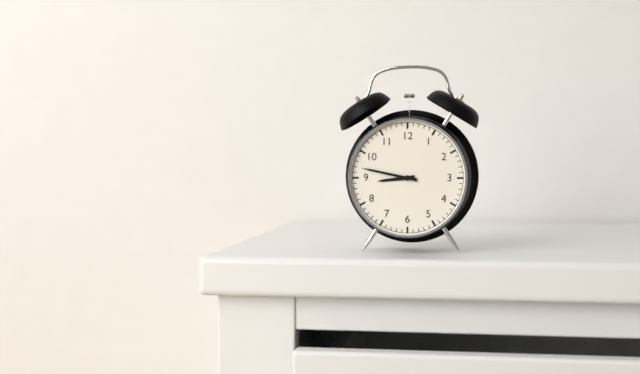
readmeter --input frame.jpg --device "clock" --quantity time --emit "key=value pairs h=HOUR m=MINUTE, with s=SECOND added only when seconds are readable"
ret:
h=8 m=47
